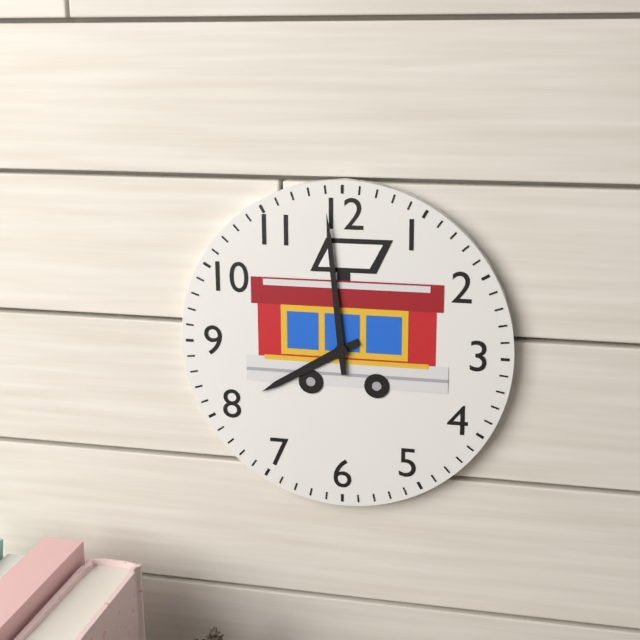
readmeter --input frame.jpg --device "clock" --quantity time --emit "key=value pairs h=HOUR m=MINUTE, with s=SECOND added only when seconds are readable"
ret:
h=7 m=59
